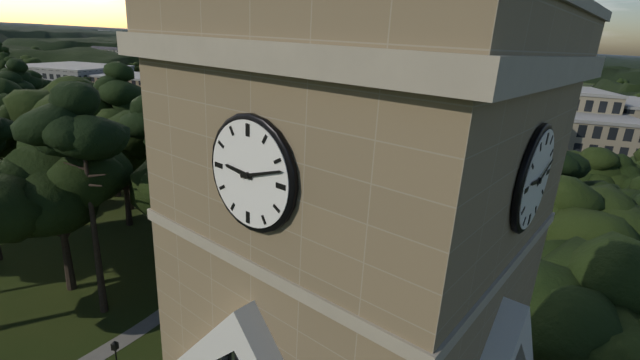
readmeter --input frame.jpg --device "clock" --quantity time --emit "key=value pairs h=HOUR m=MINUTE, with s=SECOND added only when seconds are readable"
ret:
h=9 m=12
